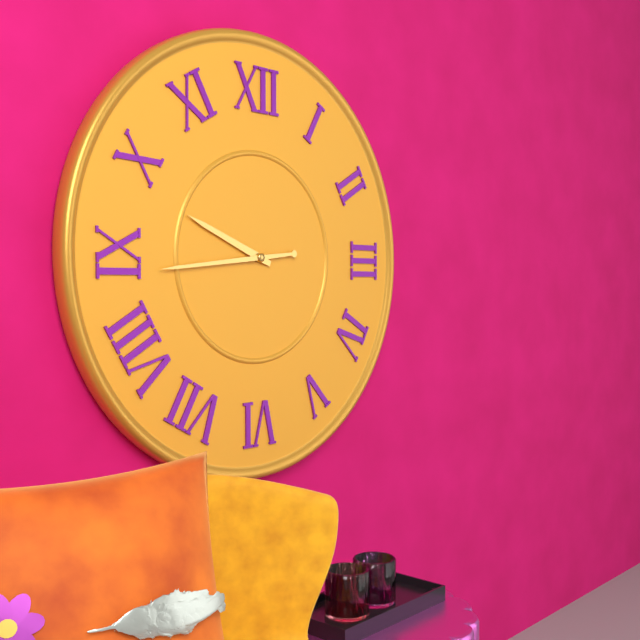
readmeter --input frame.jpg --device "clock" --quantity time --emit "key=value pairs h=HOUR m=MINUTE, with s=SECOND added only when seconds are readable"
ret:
h=9 m=44
